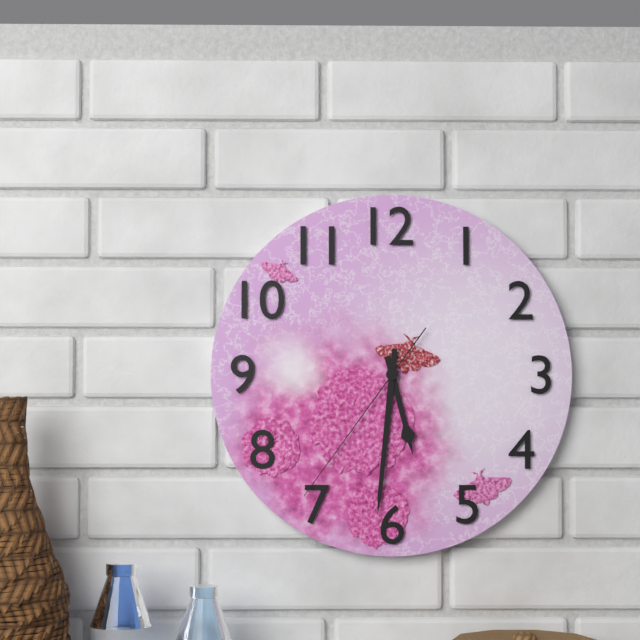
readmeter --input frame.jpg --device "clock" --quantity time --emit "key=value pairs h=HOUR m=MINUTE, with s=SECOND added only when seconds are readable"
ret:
h=5 m=31 s=36
